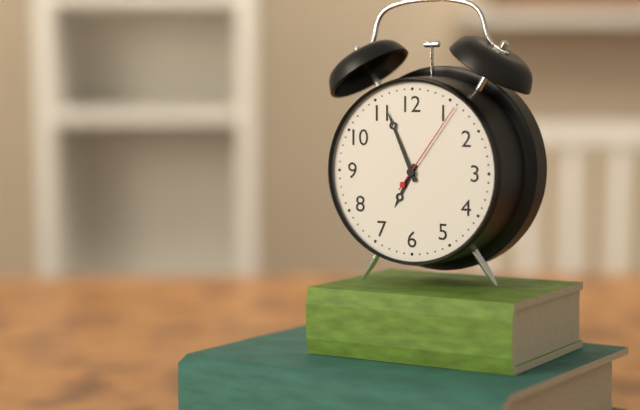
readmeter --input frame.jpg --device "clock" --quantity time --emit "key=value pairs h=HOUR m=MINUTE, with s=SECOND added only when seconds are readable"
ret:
h=6 m=56 s=6
